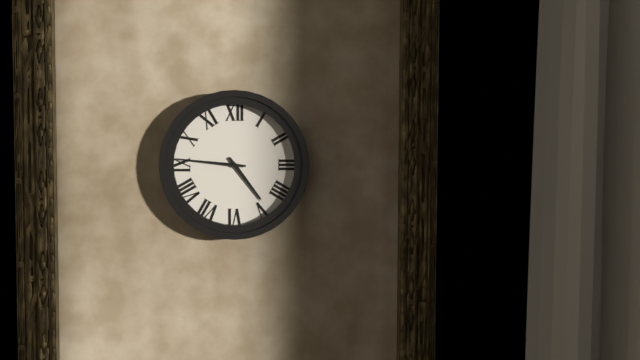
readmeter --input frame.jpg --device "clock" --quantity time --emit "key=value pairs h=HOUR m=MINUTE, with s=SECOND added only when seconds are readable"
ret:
h=4 m=46
